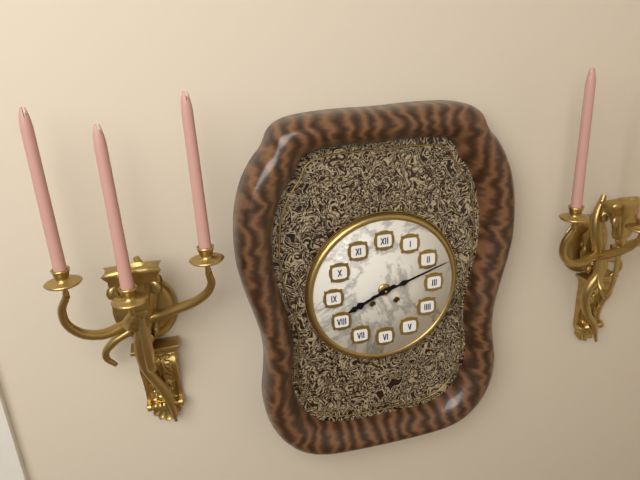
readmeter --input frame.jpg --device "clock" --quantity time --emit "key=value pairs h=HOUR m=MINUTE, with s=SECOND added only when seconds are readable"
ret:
h=8 m=12
